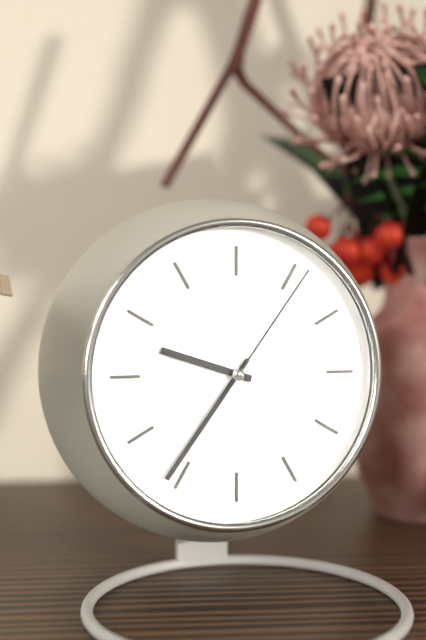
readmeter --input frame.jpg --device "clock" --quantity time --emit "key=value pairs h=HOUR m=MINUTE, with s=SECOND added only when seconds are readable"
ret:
h=9 m=36 s=6
